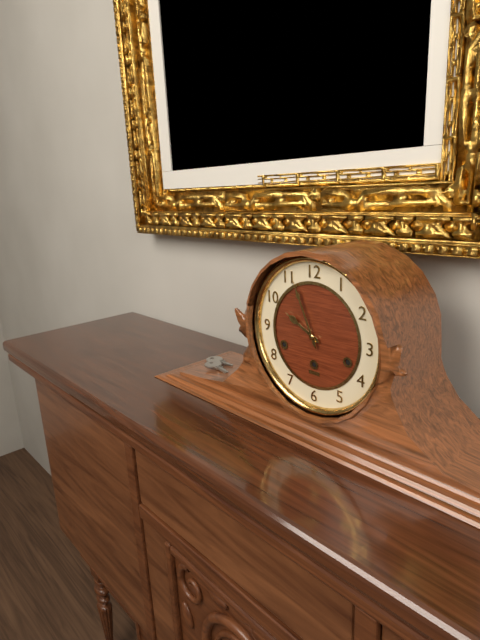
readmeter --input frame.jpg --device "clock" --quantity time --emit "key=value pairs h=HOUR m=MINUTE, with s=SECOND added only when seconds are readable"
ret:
h=9 m=56
